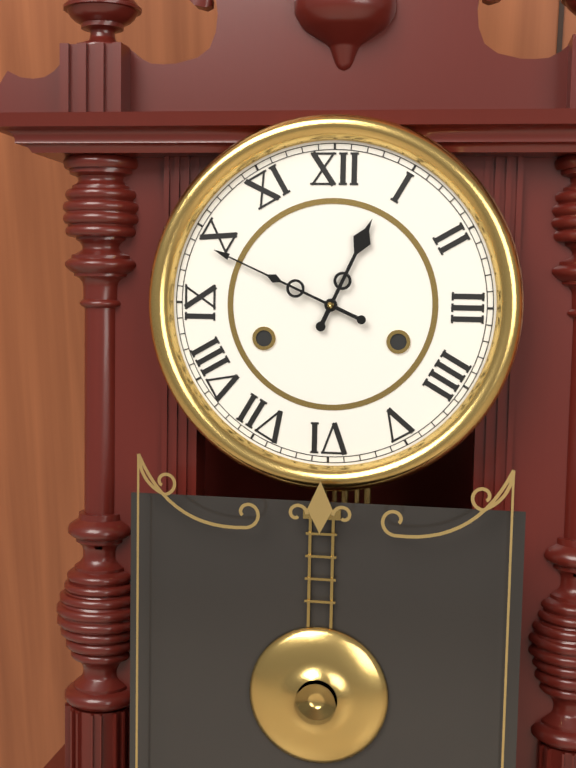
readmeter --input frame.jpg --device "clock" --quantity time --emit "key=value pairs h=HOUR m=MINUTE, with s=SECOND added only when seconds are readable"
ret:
h=12 m=49
